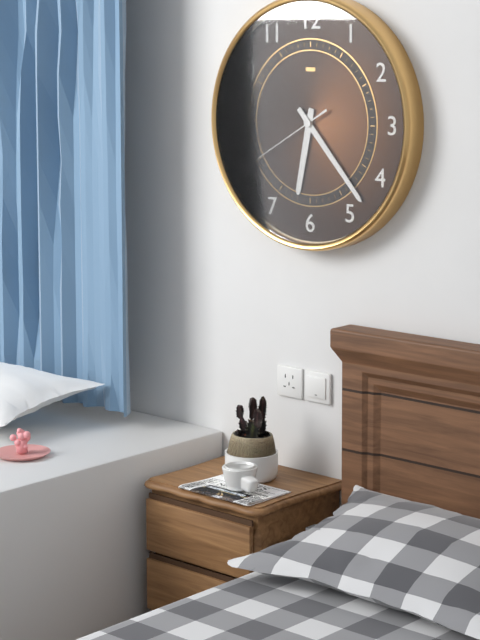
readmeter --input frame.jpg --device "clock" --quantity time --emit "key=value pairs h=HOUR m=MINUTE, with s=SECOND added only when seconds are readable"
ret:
h=6 m=23 s=40
